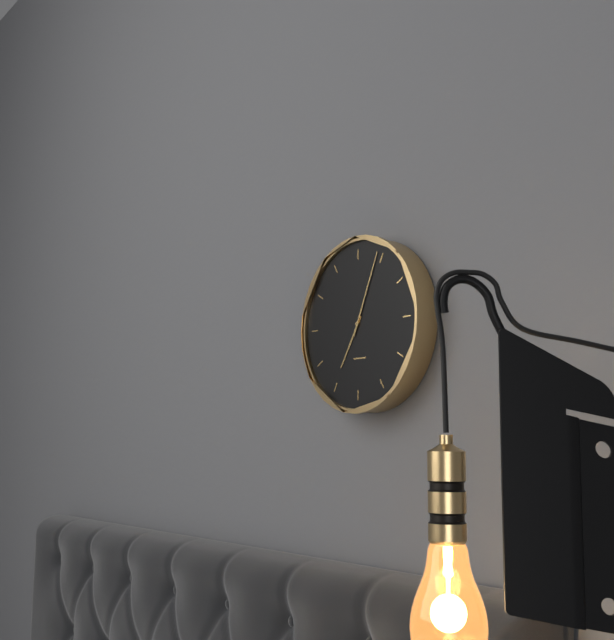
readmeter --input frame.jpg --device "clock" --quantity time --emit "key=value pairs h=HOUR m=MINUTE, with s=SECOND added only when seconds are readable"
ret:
h=7 m=4
